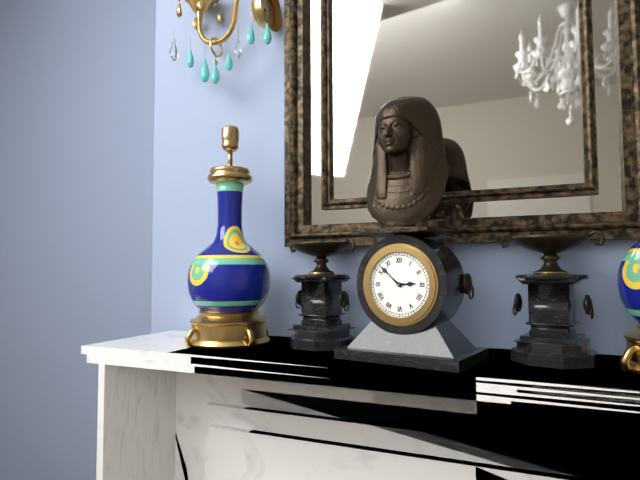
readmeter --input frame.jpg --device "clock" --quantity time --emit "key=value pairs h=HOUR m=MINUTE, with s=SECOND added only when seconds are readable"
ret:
h=2 m=52
